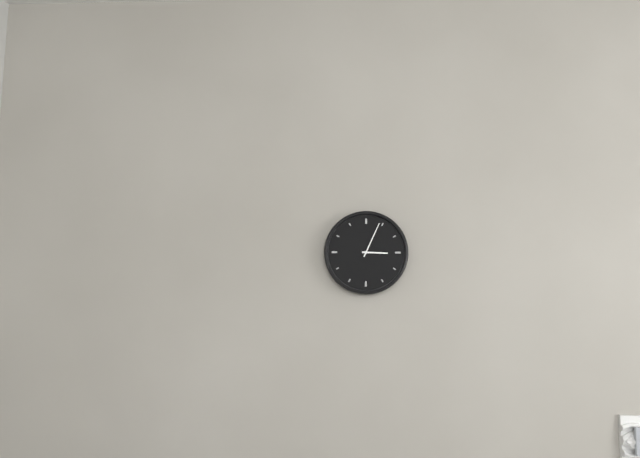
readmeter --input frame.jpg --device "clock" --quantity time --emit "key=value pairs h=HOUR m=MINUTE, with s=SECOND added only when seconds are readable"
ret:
h=3 m=4
